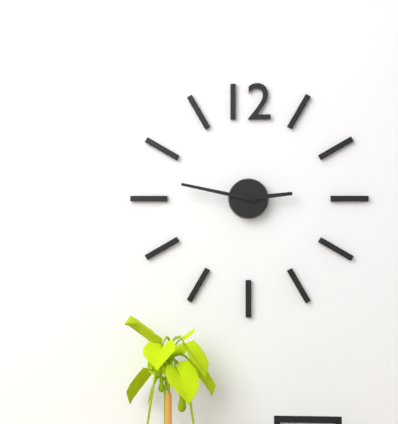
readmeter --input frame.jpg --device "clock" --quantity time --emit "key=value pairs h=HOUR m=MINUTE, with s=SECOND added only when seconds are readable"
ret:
h=2 m=47
